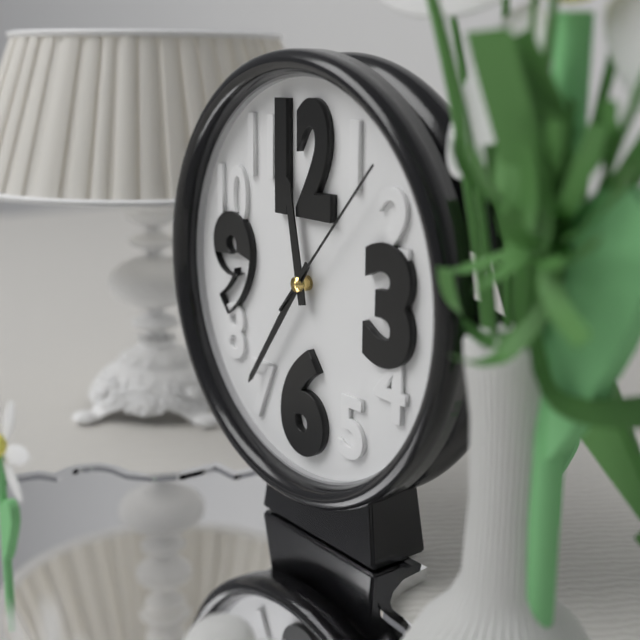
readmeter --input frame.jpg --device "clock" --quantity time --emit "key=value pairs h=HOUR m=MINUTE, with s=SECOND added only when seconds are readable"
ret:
h=11 m=36 s=7
